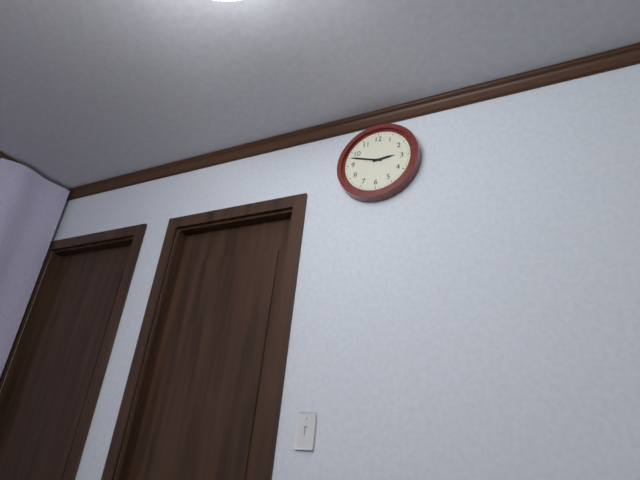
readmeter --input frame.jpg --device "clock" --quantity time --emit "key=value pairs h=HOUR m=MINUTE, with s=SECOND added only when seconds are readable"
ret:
h=2 m=48
